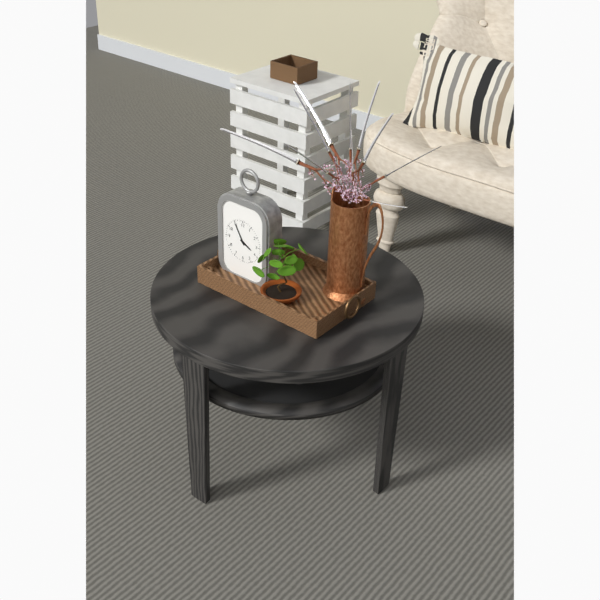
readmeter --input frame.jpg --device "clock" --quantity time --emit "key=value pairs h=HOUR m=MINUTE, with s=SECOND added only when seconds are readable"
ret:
h=3 m=55
